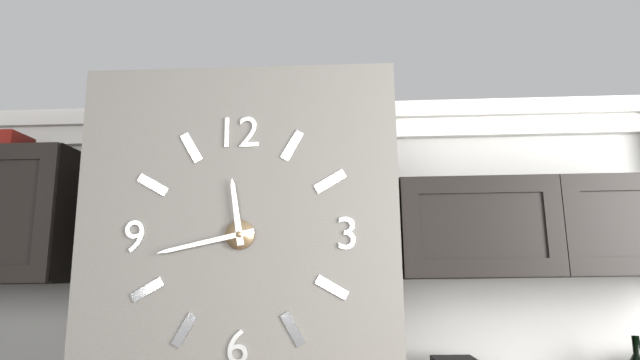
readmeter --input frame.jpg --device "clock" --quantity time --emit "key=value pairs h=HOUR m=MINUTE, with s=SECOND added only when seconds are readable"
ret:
h=11 m=43
